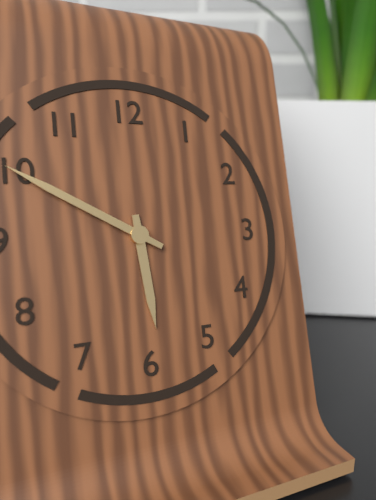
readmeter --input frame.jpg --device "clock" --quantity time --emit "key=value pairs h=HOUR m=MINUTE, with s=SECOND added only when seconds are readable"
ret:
h=5 m=50
